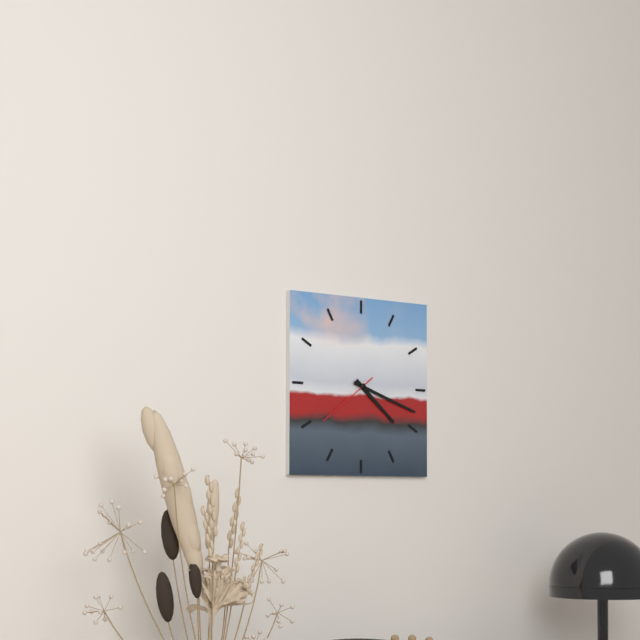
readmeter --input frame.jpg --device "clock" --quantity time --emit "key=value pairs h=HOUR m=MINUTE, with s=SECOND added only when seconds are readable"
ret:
h=4 m=18 s=39
